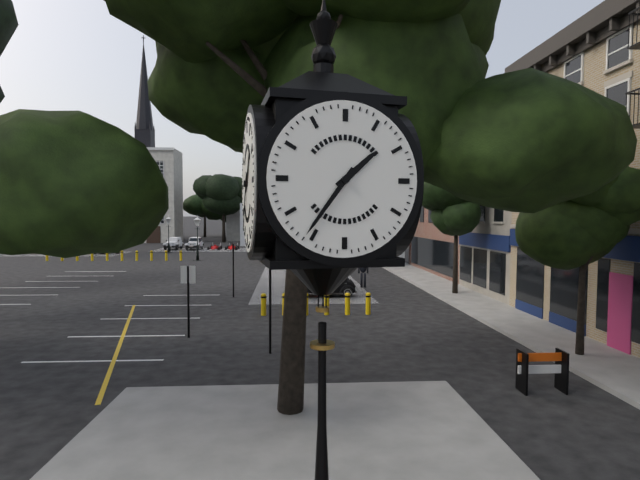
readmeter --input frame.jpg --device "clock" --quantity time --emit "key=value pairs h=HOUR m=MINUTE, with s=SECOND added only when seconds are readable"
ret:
h=1 m=36
